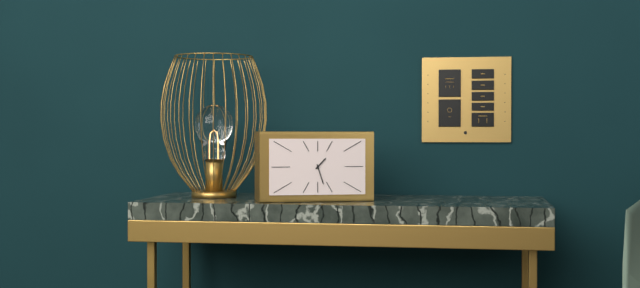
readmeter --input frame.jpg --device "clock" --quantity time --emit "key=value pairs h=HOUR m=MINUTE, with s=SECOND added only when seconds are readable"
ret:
h=1 m=27
